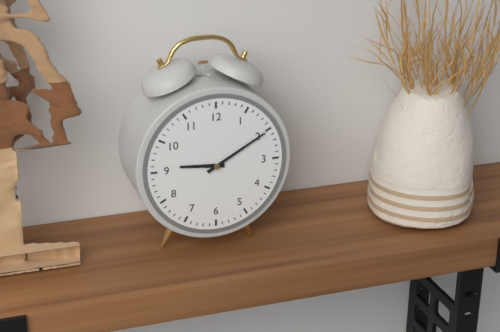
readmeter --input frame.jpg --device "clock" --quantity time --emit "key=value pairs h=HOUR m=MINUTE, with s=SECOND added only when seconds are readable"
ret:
h=9 m=10
